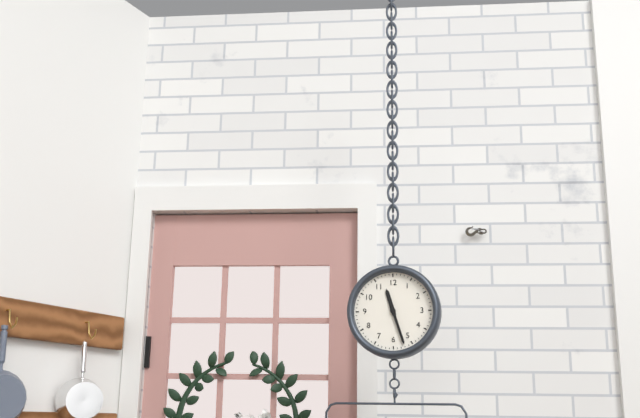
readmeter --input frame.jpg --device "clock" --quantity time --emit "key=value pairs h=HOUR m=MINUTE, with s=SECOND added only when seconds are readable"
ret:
h=11 m=27
